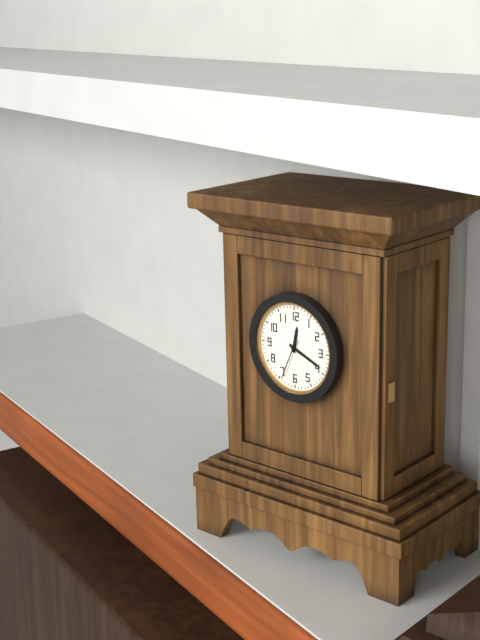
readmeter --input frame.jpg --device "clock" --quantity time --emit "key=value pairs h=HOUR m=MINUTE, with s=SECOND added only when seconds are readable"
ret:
h=12 m=19 s=34
